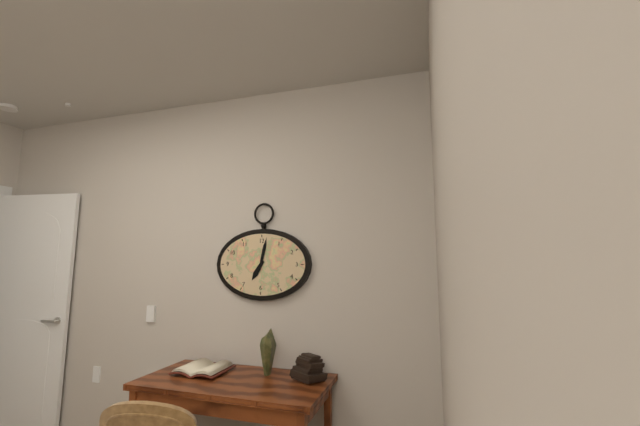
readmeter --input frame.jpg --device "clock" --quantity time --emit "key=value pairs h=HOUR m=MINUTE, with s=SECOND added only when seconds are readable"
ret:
h=7 m=2
